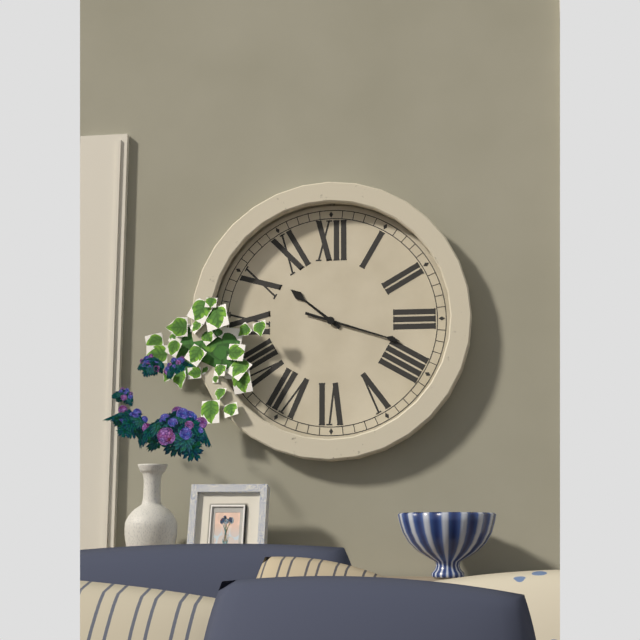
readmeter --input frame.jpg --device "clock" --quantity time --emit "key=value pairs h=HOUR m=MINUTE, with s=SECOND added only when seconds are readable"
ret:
h=10 m=18
